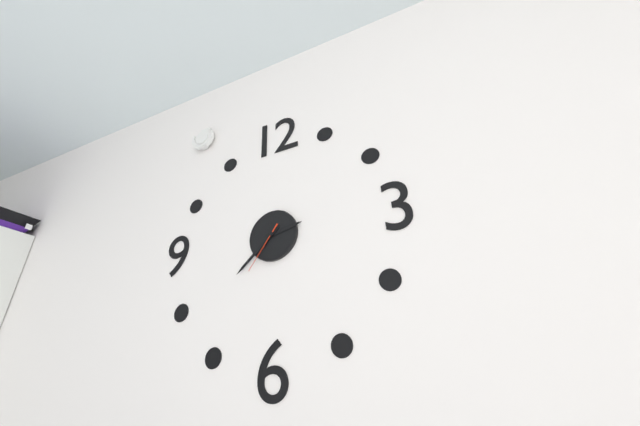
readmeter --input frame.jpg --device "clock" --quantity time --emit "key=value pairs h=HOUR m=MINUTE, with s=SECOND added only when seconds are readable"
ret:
h=2 m=38 s=36
